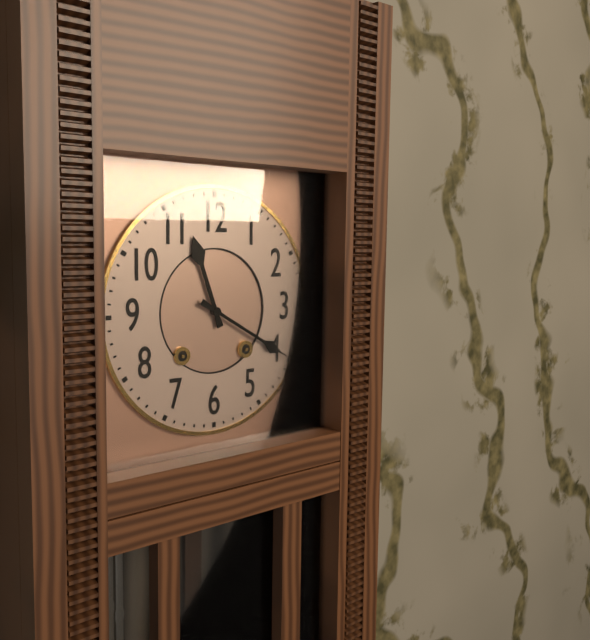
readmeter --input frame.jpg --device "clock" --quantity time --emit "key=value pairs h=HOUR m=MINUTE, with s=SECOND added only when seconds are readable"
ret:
h=11 m=20
